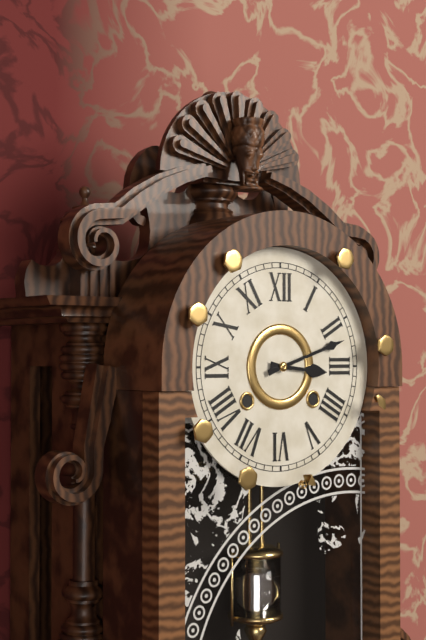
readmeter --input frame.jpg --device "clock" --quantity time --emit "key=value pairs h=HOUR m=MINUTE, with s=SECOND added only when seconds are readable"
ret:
h=3 m=12
